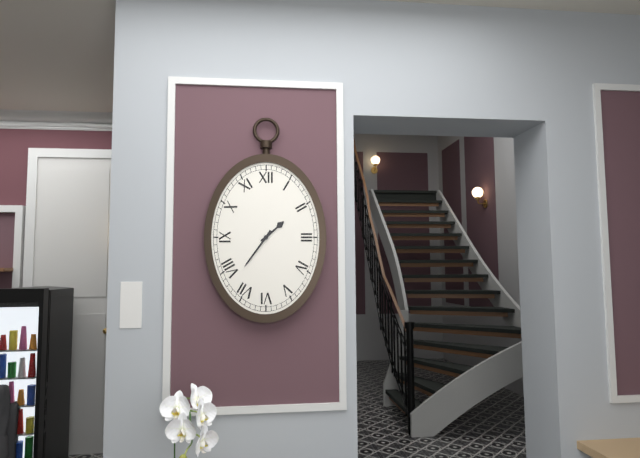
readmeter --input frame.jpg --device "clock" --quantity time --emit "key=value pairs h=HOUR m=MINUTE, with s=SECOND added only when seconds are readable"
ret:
h=1 m=36
